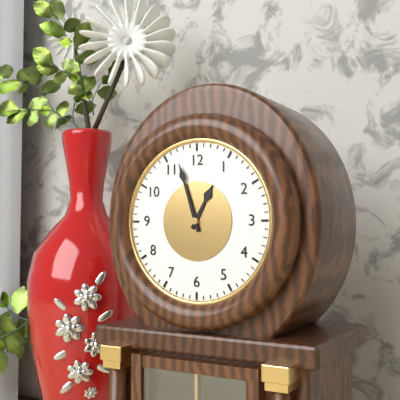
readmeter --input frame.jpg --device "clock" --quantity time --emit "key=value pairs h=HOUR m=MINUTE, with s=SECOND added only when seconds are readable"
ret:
h=12 m=57
